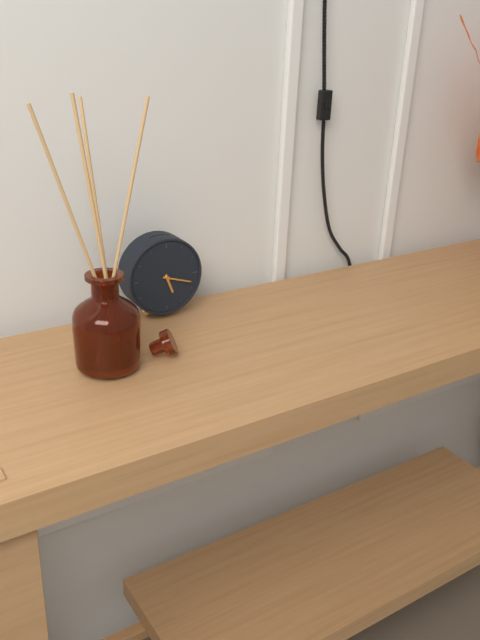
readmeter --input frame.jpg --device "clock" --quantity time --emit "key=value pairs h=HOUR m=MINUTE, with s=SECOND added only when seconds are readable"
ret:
h=5 m=18
